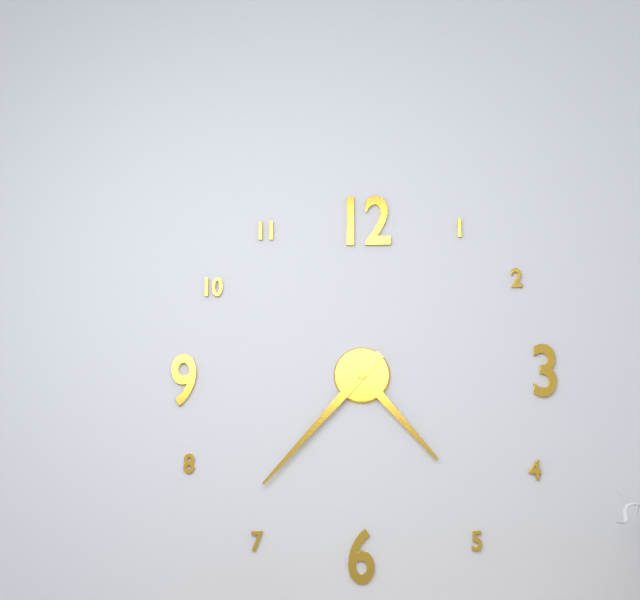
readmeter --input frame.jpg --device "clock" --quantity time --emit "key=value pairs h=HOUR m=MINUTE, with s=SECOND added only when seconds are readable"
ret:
h=4 m=37
